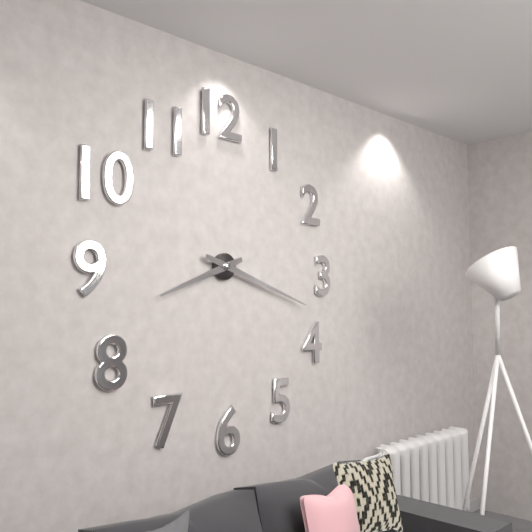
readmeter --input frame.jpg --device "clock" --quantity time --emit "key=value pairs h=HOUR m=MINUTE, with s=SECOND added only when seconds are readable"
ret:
h=8 m=18
